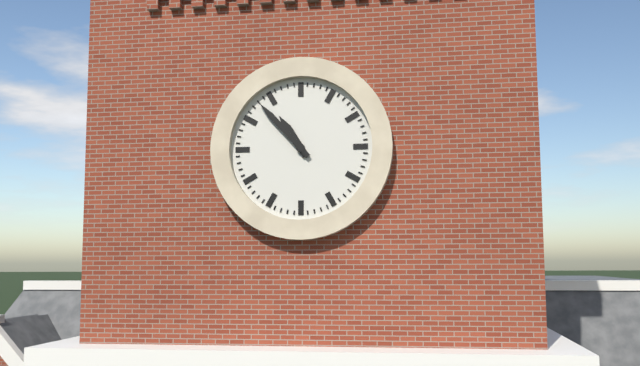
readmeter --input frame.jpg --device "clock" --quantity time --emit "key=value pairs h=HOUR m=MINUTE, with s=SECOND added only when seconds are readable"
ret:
h=10 m=53
